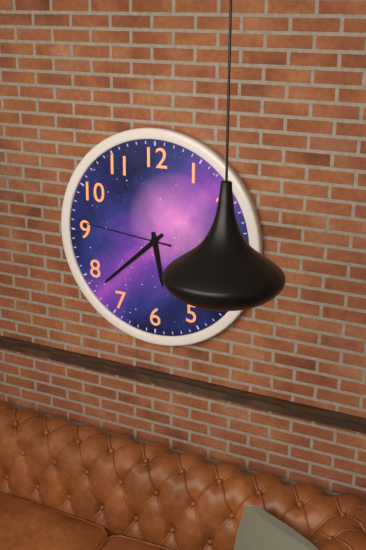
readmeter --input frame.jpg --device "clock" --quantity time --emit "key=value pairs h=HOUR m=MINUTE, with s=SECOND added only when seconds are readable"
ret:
h=5 m=38 s=46
